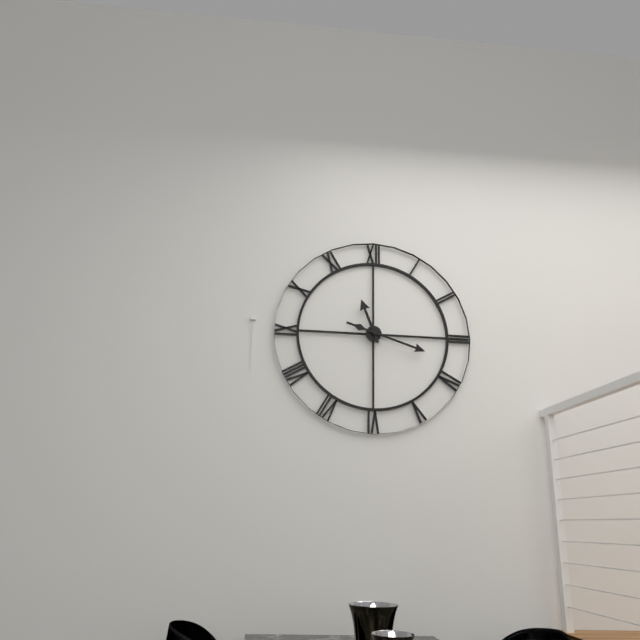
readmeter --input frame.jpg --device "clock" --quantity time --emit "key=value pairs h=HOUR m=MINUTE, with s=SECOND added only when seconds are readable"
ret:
h=11 m=18
